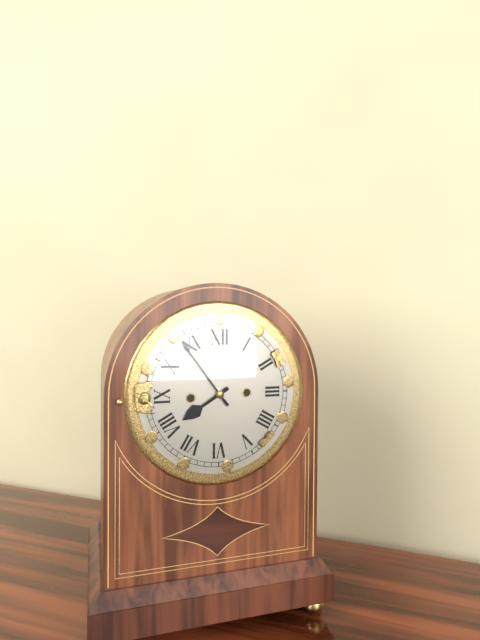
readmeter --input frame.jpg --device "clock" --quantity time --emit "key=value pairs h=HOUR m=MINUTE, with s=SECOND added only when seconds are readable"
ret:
h=7 m=54
